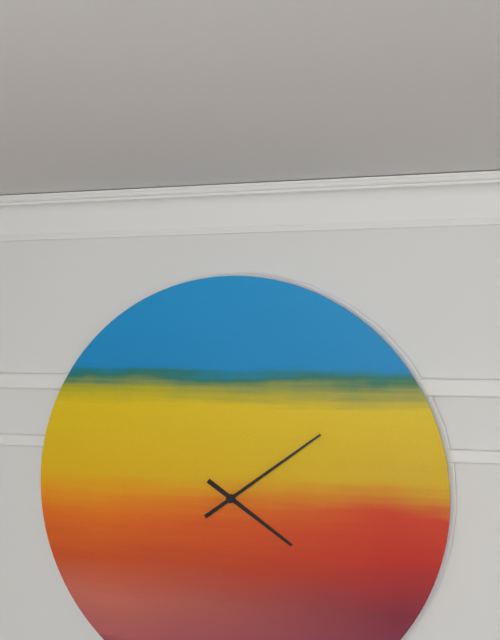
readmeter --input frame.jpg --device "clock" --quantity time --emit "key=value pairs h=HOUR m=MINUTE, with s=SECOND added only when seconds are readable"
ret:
h=4 m=9
